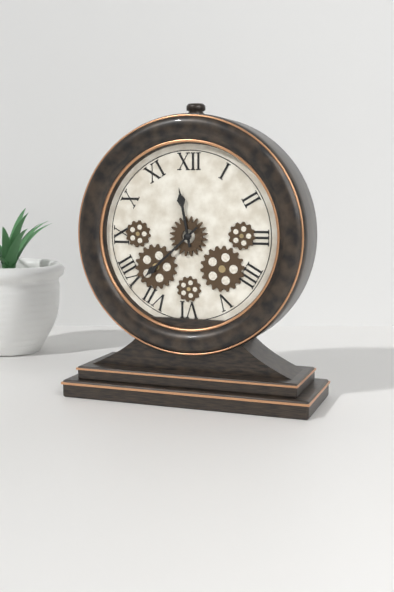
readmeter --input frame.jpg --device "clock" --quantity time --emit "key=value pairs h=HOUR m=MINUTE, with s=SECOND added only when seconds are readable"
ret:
h=11 m=38
